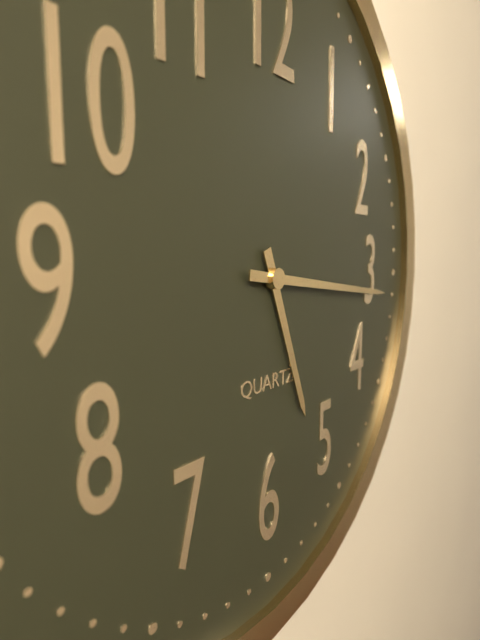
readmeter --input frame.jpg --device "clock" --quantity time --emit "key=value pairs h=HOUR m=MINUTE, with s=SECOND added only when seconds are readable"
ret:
h=5 m=16
